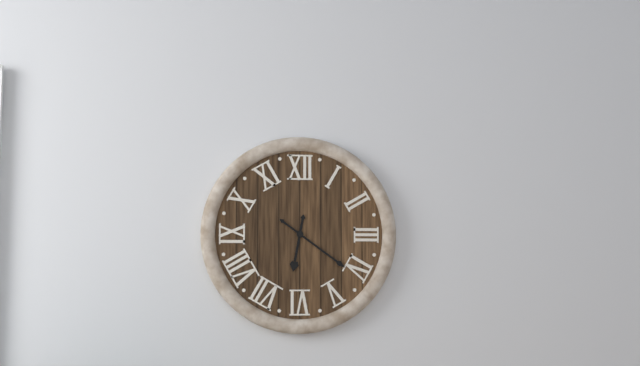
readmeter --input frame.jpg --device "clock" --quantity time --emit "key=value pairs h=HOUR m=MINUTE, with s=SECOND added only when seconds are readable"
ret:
h=6 m=21
